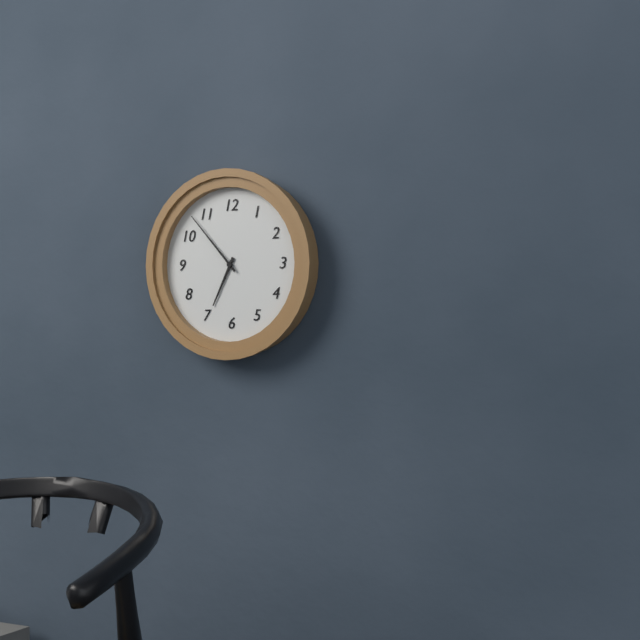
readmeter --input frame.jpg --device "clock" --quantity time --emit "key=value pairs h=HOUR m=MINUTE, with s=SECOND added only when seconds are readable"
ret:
h=6 m=53
